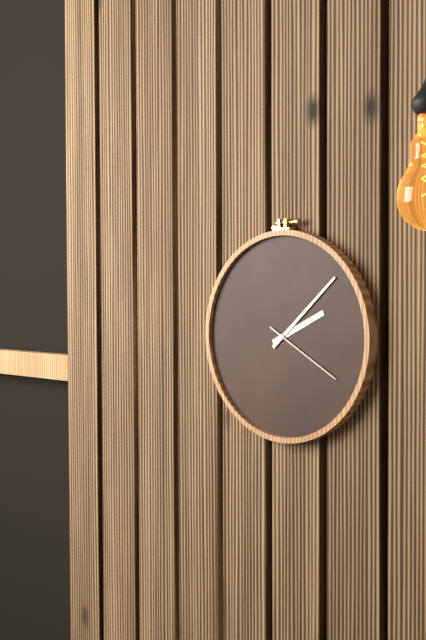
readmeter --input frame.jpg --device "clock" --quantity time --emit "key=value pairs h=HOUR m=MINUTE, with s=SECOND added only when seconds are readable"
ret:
h=2 m=8 s=20
